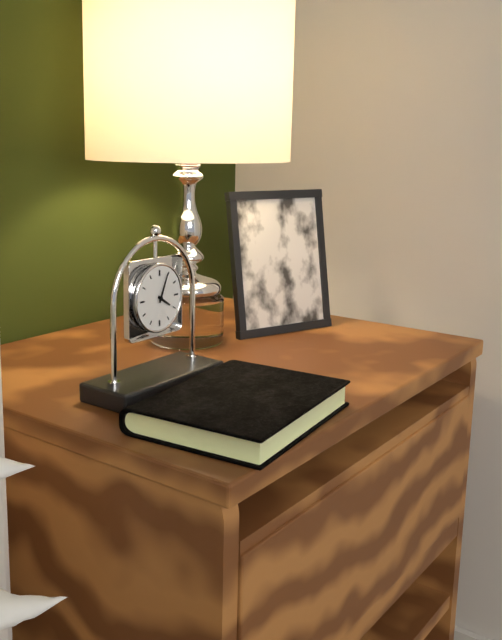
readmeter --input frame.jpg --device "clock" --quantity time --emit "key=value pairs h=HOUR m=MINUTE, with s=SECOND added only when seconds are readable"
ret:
h=4 m=4
